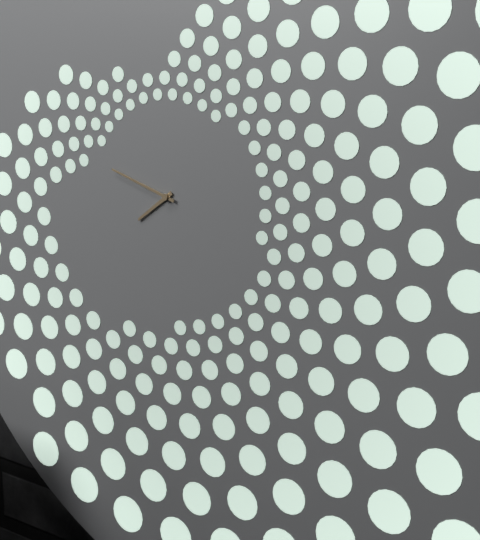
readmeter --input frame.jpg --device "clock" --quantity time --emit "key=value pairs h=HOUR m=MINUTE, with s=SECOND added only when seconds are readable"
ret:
h=7 m=48
